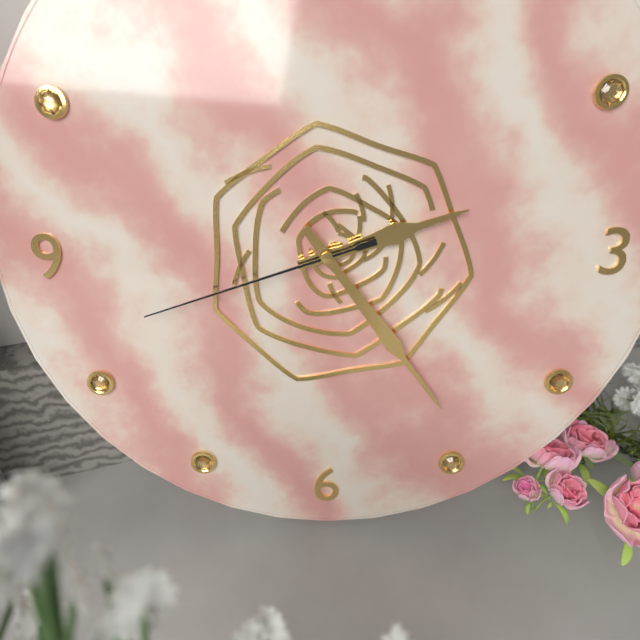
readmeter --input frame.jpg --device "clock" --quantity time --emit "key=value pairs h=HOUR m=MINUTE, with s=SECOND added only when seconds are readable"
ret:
h=2 m=24 s=42
